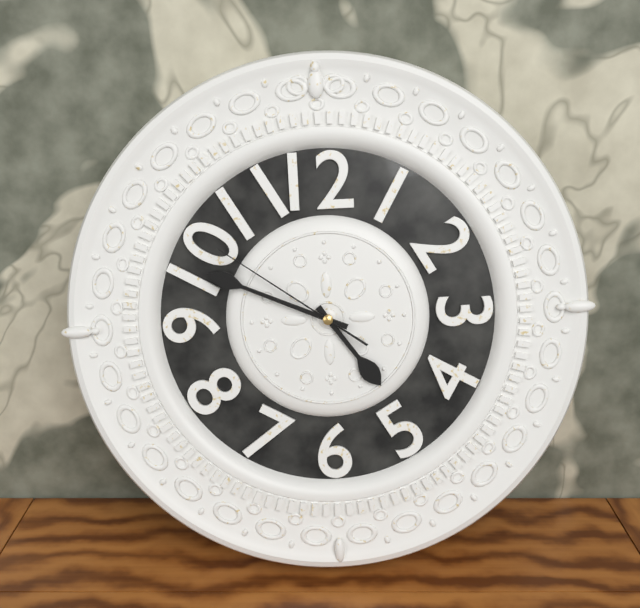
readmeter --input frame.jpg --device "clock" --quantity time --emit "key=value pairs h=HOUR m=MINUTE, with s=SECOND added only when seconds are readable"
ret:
h=4 m=49 s=51
